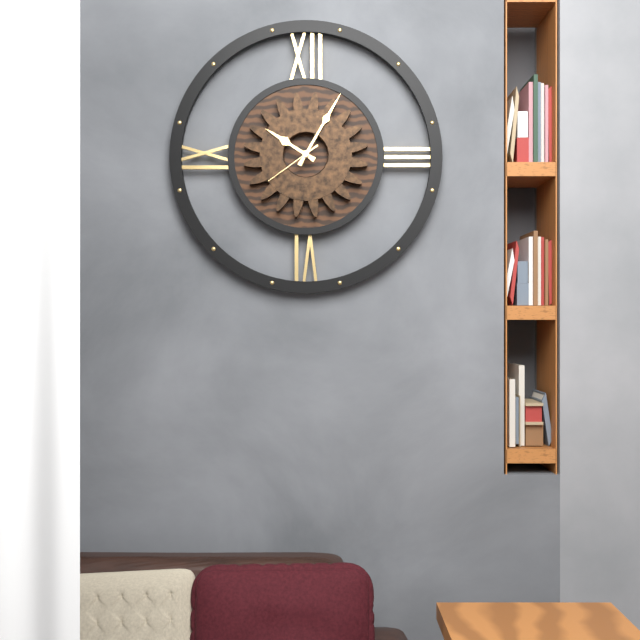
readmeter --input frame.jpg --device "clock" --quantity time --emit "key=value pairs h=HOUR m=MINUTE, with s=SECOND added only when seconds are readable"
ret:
h=10 m=5 s=39
